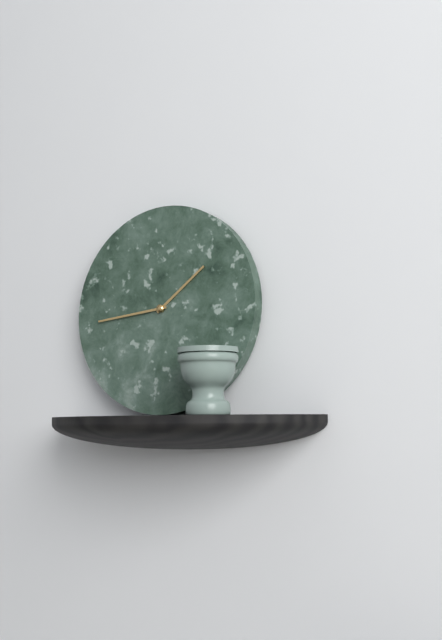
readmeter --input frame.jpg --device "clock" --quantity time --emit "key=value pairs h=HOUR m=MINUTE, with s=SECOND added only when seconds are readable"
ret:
h=1 m=44
